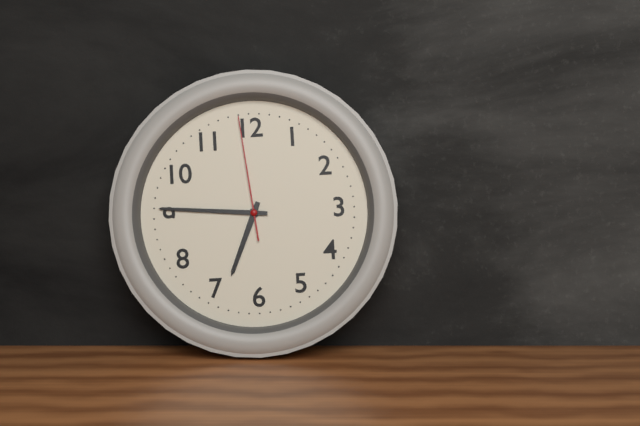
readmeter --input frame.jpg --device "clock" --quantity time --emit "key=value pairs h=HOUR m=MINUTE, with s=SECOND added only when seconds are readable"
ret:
h=6 m=46 s=59
